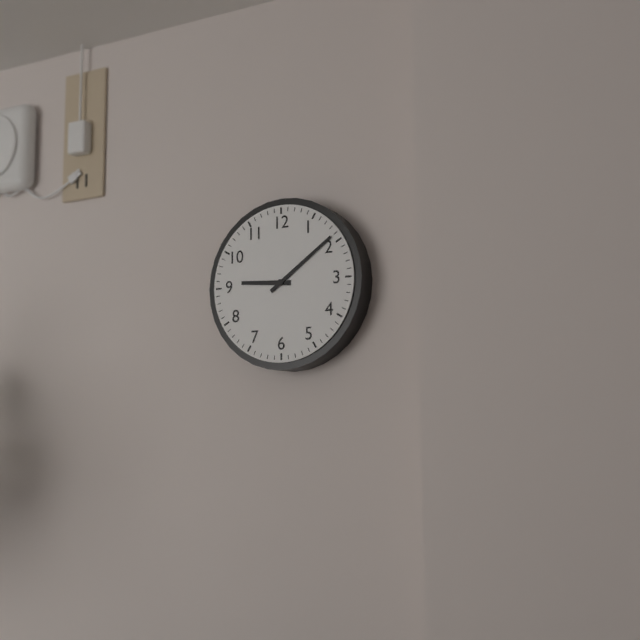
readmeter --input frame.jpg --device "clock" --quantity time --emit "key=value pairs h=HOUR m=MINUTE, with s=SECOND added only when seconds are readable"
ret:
h=9 m=9
